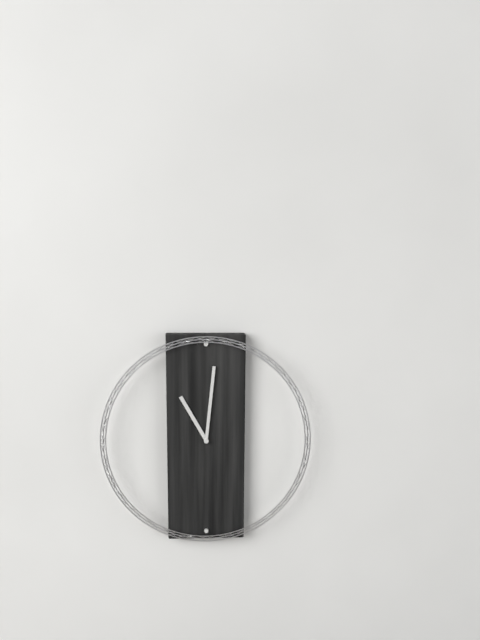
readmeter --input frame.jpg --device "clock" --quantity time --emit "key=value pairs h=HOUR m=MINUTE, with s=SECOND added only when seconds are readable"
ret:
h=11 m=1
